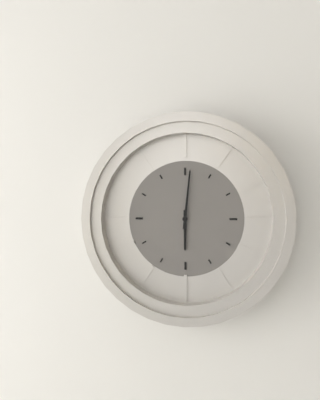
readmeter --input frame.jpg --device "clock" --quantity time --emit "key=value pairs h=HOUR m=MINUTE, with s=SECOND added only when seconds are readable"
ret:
h=6 m=1
